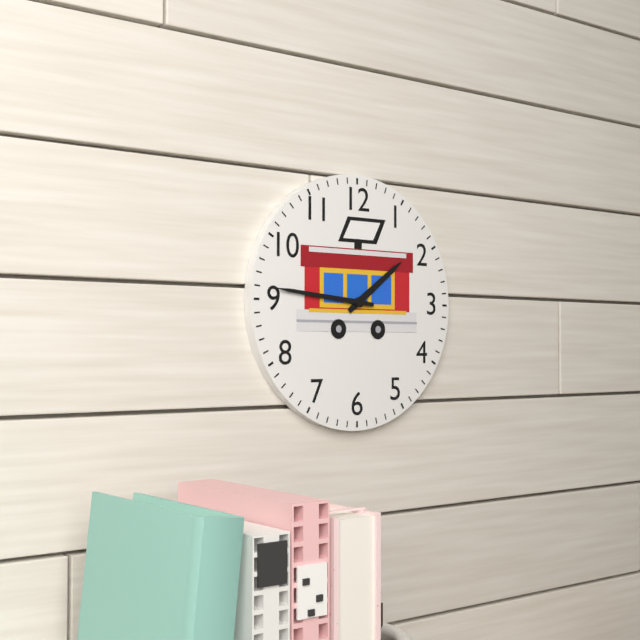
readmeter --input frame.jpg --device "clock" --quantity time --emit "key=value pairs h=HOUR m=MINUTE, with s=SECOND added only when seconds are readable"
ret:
h=1 m=46
